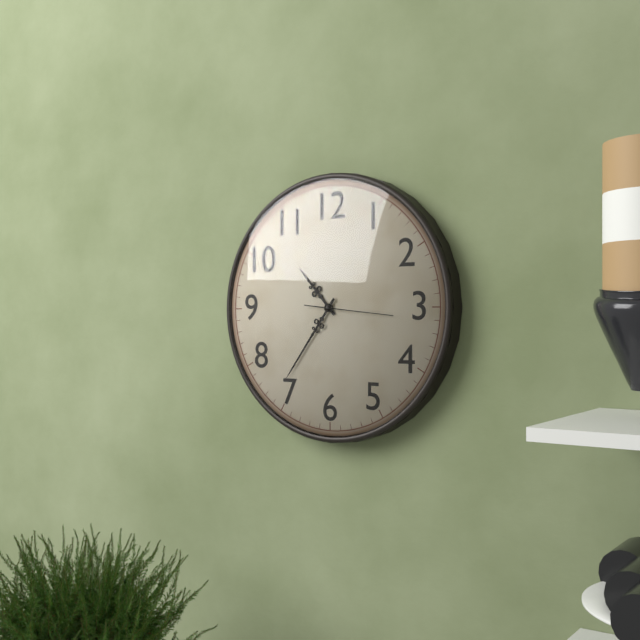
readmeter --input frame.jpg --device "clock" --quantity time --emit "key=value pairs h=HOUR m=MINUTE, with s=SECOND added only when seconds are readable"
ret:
h=10 m=36 s=16
